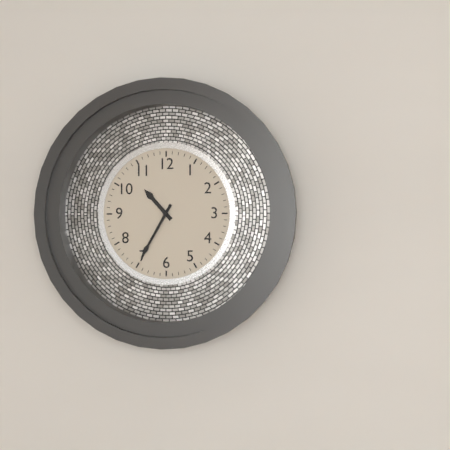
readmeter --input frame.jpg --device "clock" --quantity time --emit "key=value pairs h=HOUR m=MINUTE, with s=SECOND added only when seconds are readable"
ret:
h=10 m=35
